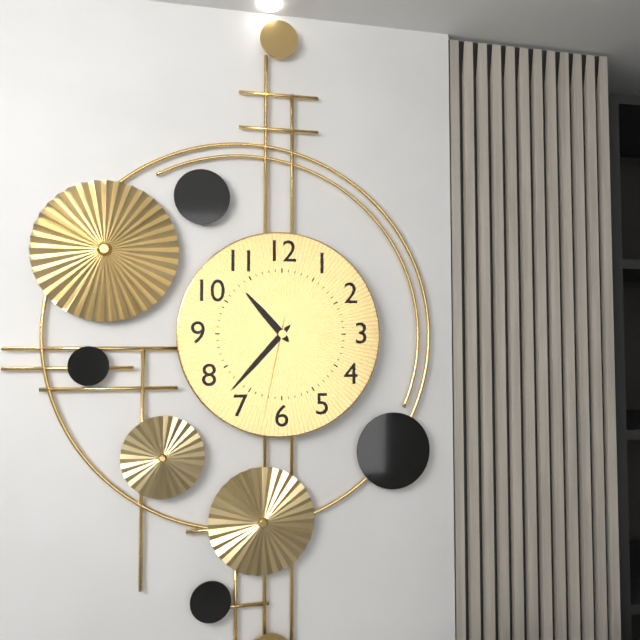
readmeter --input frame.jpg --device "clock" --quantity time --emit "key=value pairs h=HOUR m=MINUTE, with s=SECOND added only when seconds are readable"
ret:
h=10 m=37 s=32
